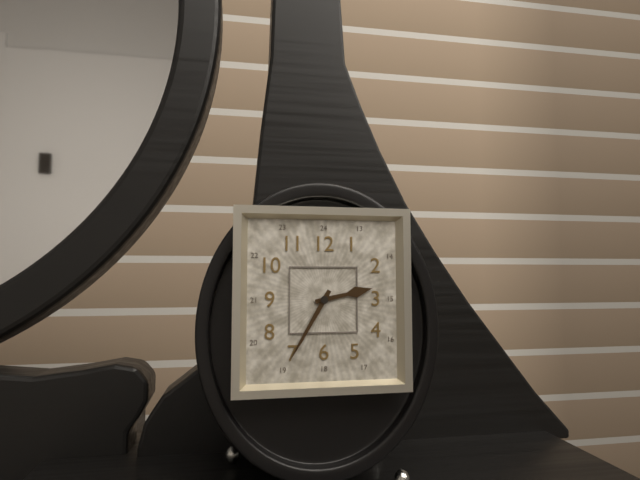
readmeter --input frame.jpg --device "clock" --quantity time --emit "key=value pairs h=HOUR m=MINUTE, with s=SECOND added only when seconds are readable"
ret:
h=2 m=35
